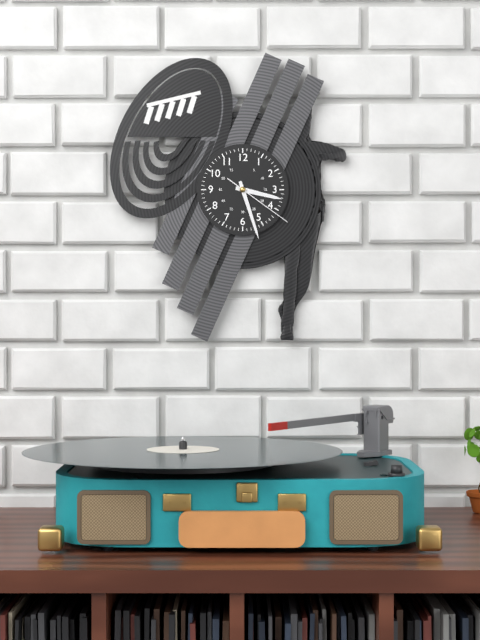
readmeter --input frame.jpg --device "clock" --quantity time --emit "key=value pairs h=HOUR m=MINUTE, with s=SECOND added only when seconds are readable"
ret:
h=3 m=27 s=21
